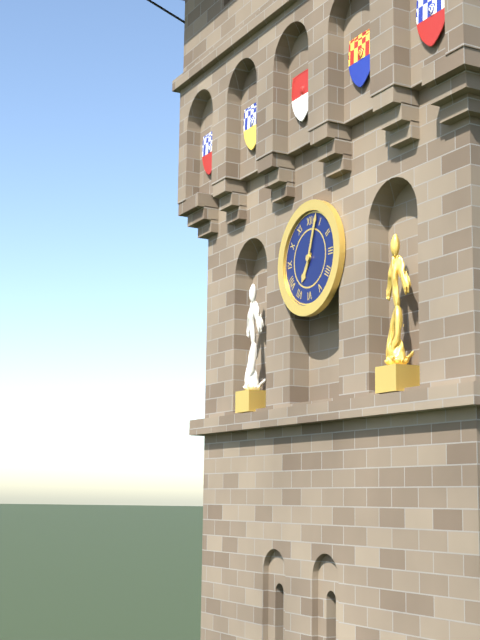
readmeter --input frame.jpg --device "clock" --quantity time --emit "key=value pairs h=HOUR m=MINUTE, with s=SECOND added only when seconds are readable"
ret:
h=7 m=3
